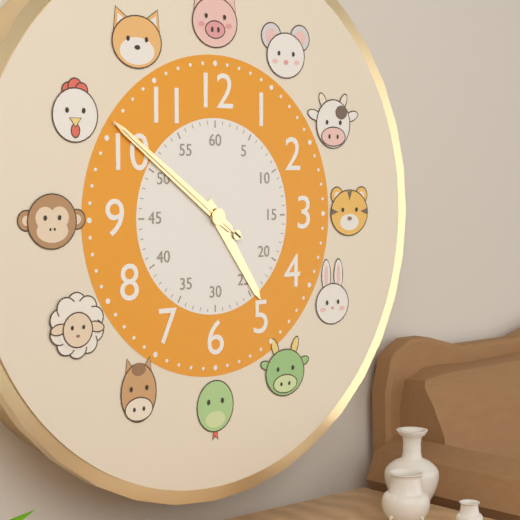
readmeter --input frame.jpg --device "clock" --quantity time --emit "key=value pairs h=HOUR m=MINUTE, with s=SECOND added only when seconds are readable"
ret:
h=4 m=51 s=51
